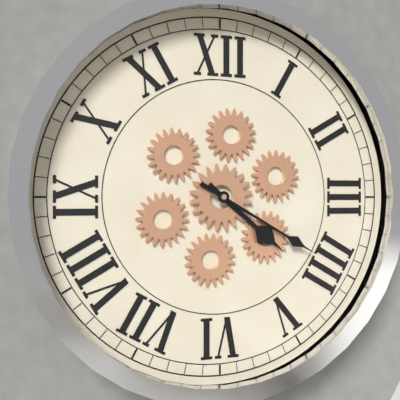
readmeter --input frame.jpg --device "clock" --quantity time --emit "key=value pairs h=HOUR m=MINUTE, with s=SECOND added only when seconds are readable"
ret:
h=4 m=20
